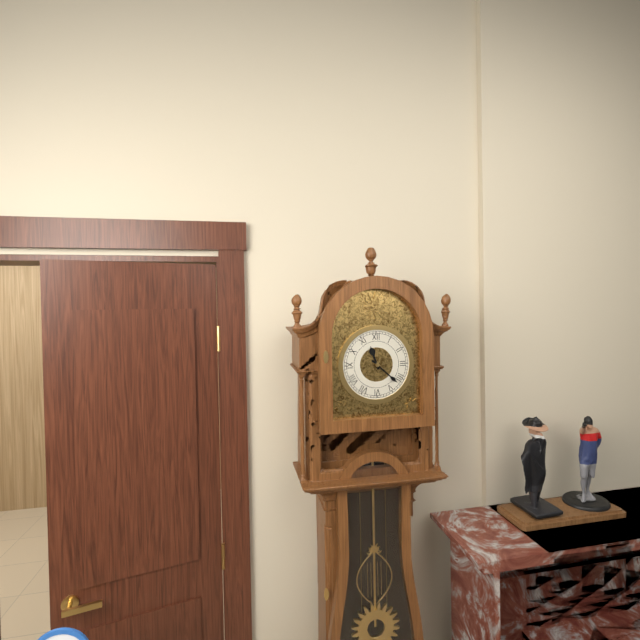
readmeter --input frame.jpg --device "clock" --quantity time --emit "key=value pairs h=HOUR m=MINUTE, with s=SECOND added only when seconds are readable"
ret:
h=11 m=22
